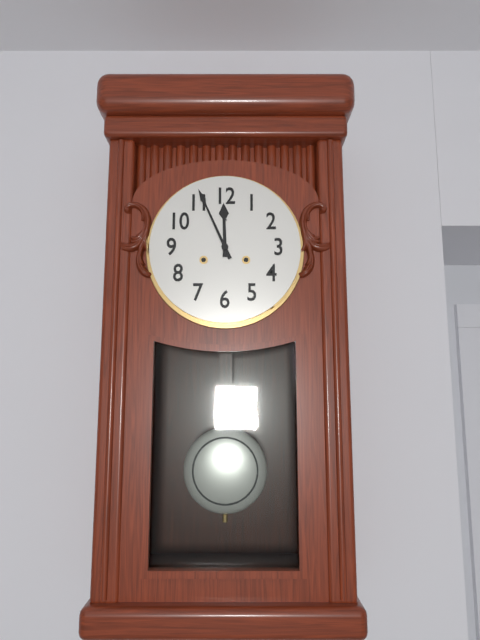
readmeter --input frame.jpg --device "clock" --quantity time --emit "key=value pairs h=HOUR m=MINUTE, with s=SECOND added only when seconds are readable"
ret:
h=11 m=56
